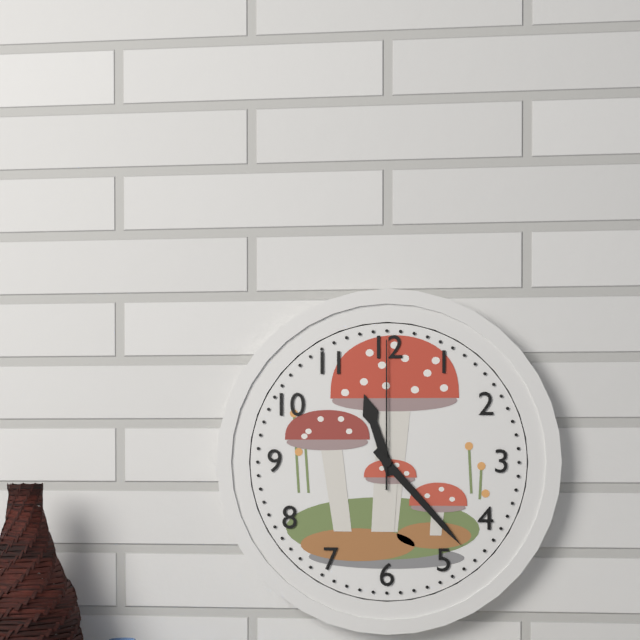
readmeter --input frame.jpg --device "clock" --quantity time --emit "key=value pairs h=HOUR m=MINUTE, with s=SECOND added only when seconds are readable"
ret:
h=11 m=23 s=0
